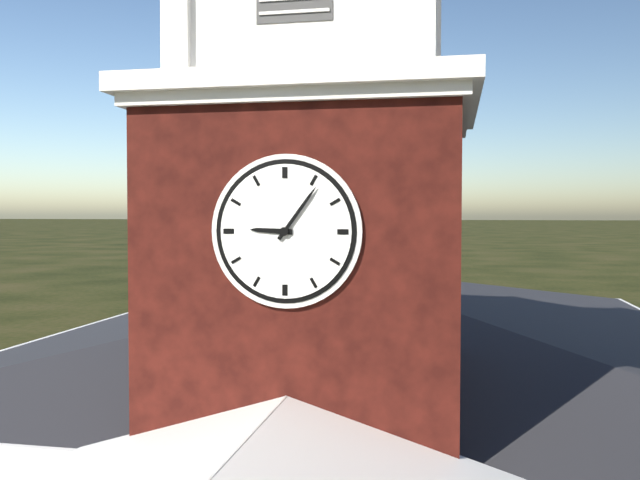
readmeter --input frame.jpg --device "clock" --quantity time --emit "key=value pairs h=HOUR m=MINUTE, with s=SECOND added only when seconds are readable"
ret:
h=9 m=6
